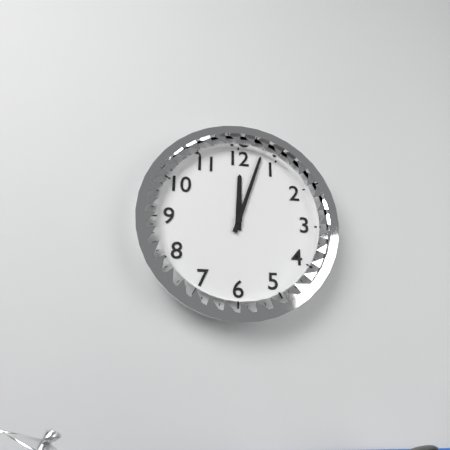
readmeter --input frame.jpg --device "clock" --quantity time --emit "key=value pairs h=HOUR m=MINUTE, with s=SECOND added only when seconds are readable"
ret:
h=12 m=3
